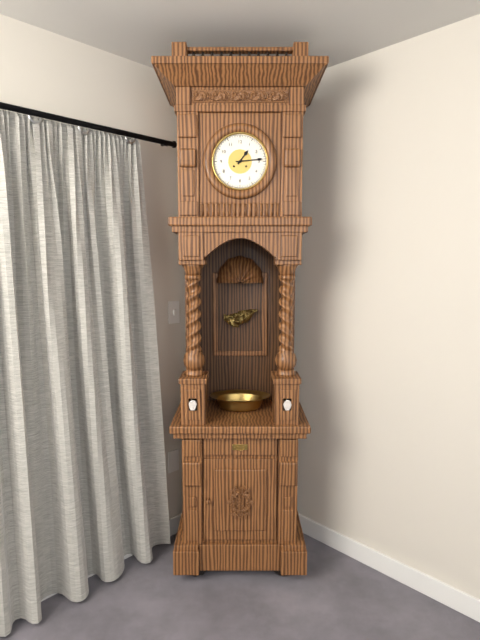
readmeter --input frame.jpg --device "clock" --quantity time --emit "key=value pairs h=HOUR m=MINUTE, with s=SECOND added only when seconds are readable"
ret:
h=1 m=14
